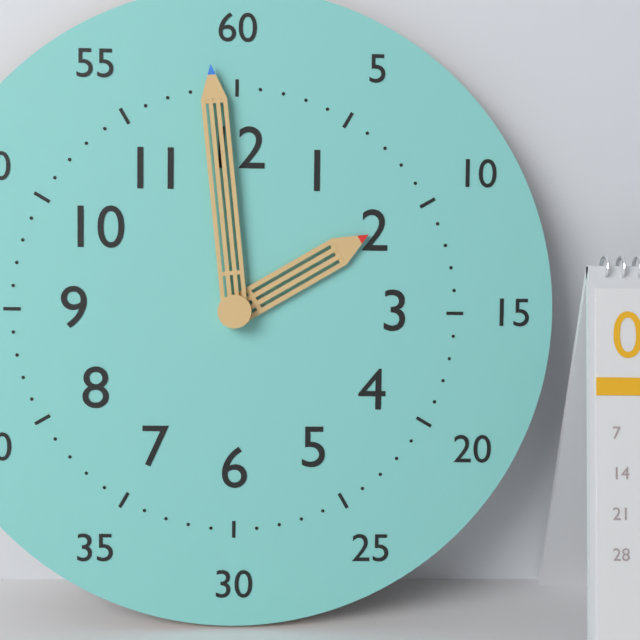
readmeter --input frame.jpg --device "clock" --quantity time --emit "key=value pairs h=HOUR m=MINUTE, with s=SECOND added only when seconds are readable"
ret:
h=1 m=59
